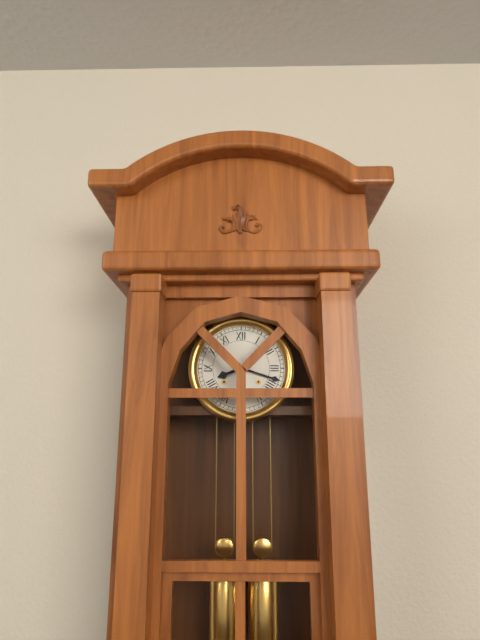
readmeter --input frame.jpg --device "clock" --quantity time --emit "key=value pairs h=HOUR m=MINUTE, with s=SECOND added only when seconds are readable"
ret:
h=8 m=18
